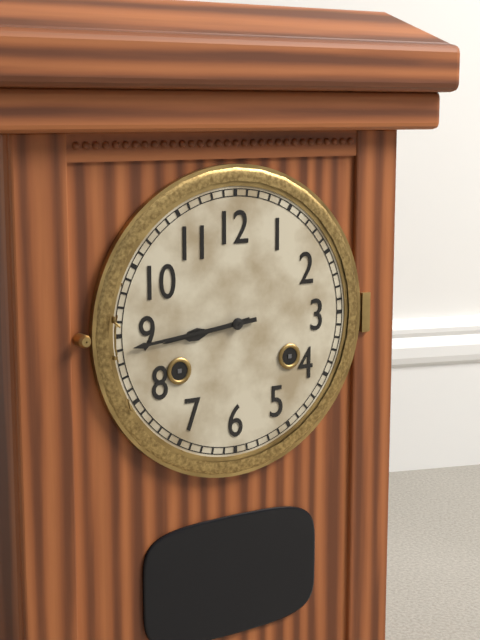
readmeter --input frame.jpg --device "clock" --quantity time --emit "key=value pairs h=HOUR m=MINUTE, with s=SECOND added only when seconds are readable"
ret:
h=8 m=44
